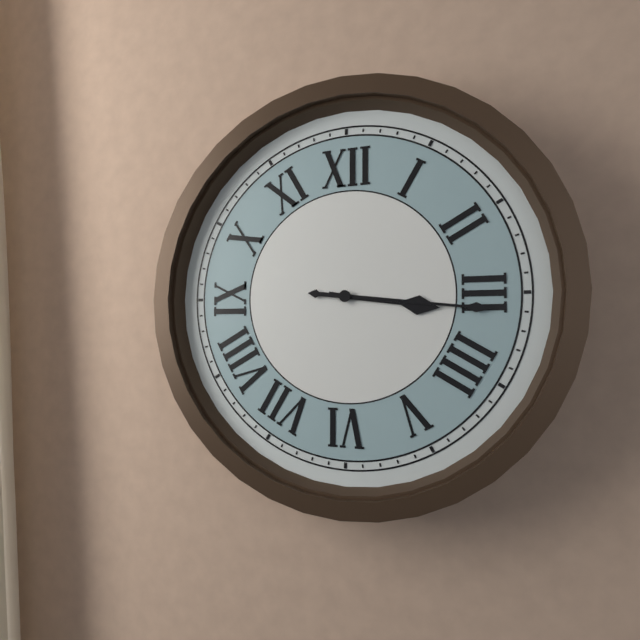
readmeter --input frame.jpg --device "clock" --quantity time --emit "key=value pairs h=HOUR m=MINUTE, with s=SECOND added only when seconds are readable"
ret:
h=3 m=16
